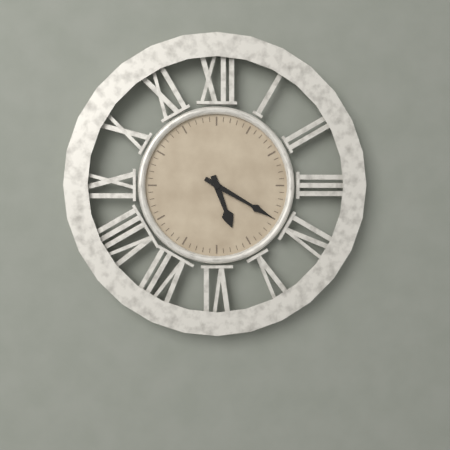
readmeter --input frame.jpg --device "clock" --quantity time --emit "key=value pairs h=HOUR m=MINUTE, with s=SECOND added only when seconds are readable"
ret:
h=5 m=20
